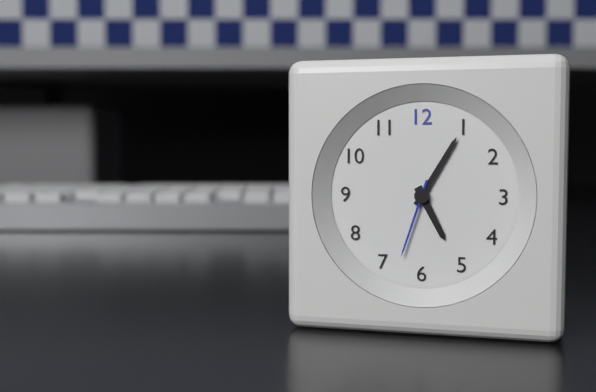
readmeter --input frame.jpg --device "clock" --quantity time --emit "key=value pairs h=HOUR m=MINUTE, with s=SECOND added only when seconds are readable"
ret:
h=5 m=5 s=33
